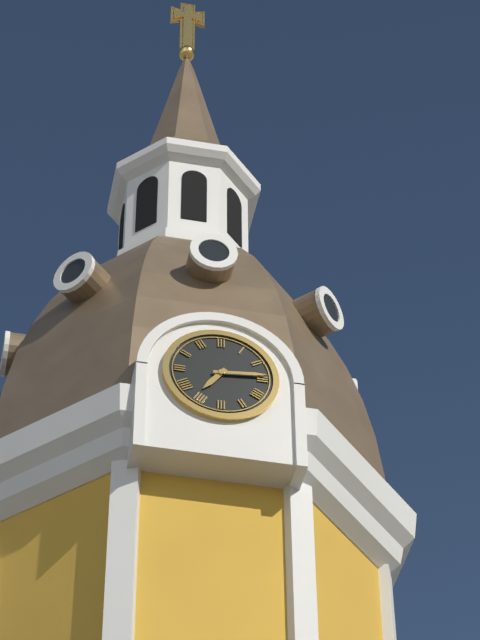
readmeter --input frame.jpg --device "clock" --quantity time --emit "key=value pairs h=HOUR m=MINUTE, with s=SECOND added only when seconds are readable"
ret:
h=7 m=14
